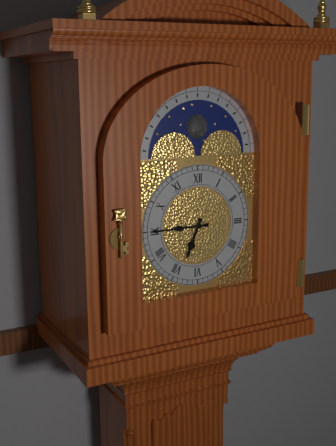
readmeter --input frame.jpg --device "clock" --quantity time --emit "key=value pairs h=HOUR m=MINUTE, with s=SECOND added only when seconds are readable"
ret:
h=6 m=45
